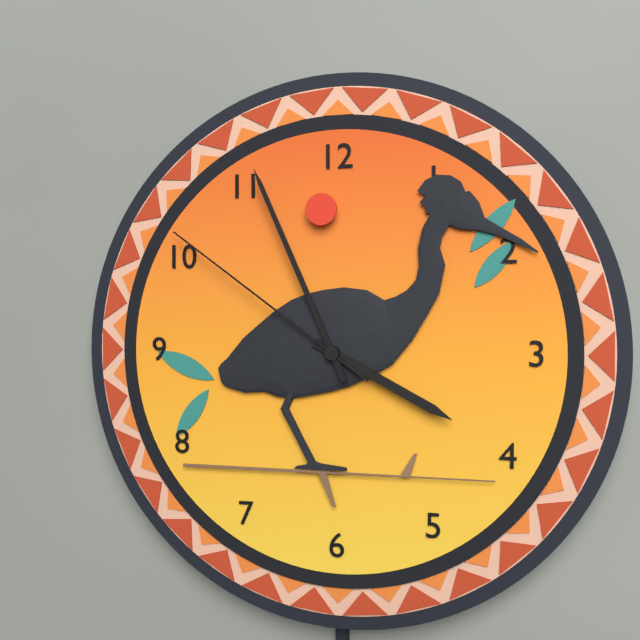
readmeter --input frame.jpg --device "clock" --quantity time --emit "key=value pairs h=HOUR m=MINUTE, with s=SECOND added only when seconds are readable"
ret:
h=3 m=56 s=51
